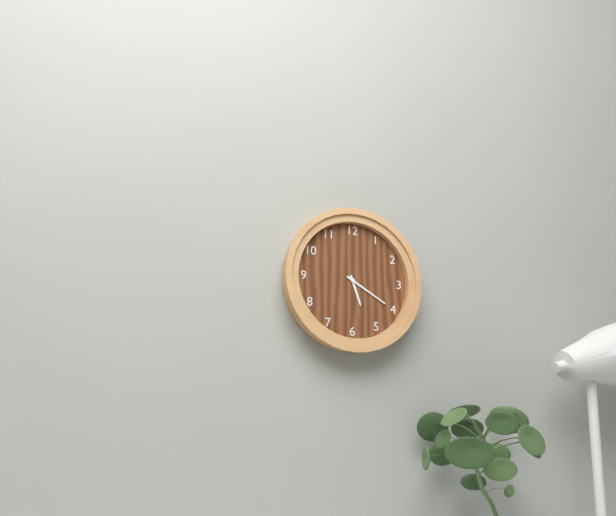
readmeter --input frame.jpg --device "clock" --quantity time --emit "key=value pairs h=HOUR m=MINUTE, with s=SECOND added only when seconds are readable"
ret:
h=5 m=20
